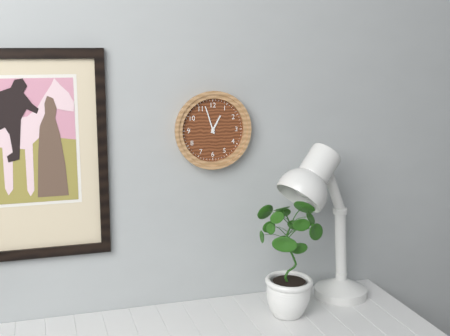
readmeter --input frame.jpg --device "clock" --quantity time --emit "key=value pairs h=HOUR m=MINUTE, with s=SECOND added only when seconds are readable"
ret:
h=12 m=57
